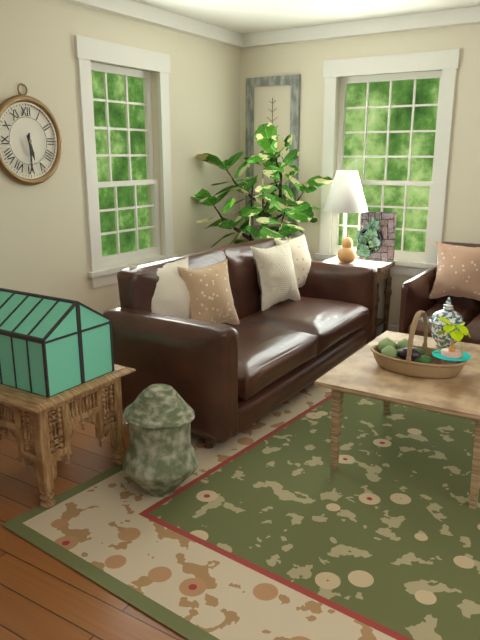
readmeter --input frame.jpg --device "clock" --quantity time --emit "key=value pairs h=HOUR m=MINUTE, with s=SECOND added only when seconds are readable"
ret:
h=5 m=30
